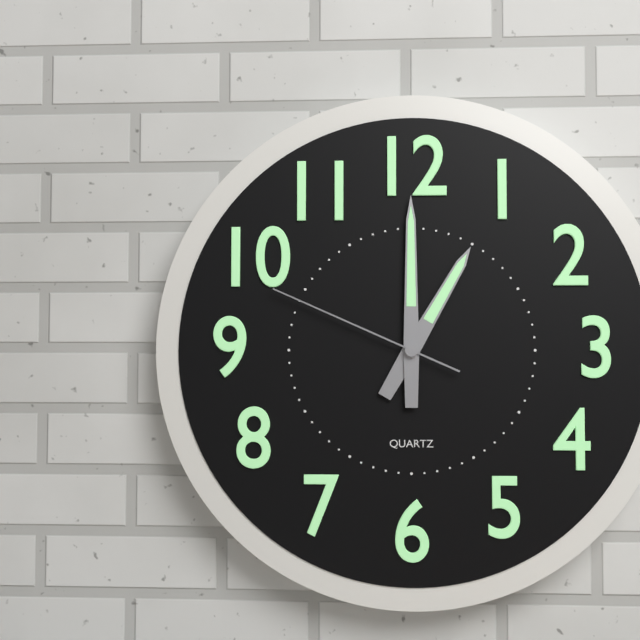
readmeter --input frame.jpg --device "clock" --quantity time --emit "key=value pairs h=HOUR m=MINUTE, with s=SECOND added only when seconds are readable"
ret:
h=1 m=0 s=49
